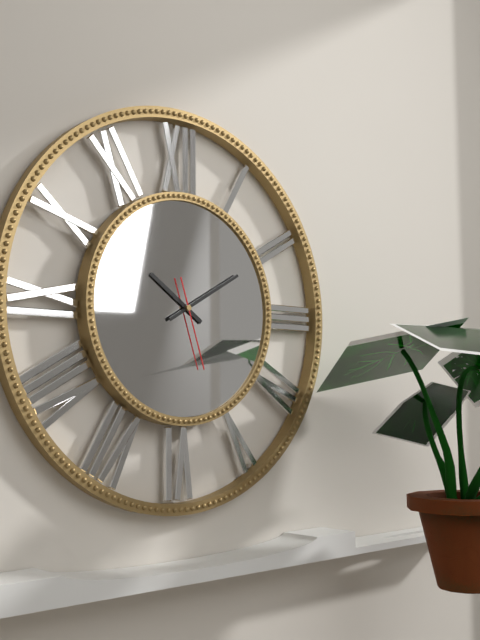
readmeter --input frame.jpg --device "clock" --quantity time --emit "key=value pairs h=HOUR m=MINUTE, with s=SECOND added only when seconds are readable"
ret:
h=10 m=10 s=27
